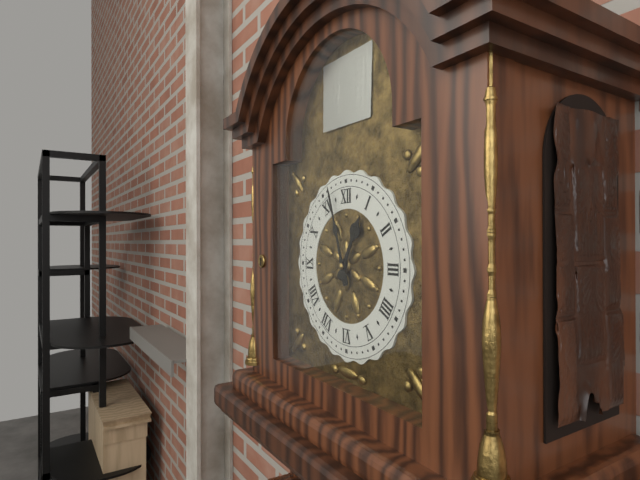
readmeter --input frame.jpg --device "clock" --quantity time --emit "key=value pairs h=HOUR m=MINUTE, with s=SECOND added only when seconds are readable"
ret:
h=12 m=57
